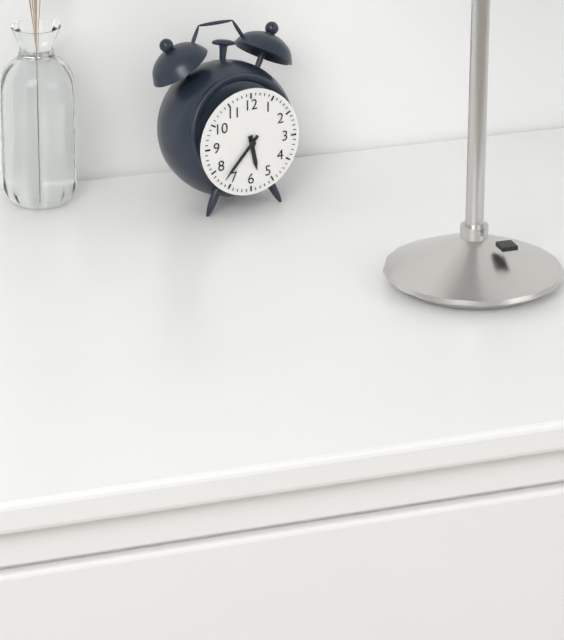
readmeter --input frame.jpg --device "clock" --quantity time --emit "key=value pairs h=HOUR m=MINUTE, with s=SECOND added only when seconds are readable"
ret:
h=5 m=37
